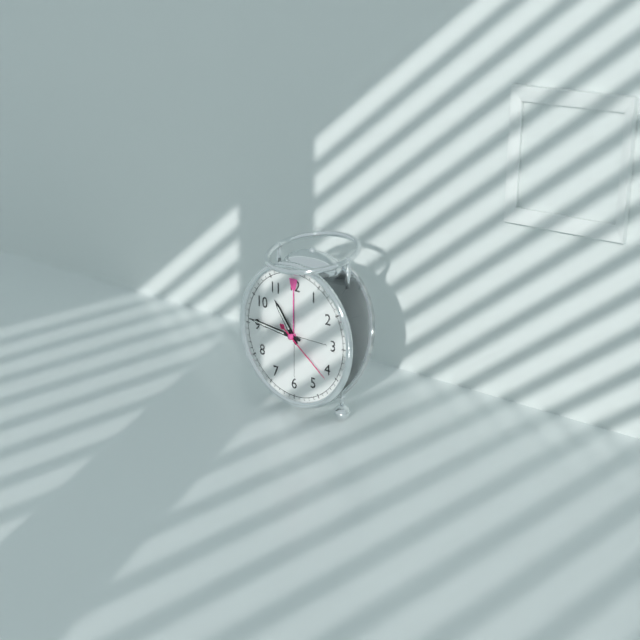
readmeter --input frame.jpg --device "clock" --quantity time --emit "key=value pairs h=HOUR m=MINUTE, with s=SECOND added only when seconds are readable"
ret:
h=10 m=46 s=21
